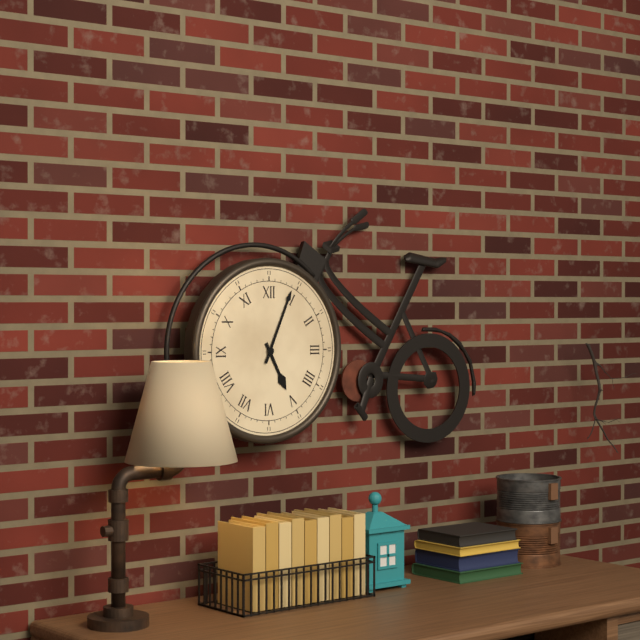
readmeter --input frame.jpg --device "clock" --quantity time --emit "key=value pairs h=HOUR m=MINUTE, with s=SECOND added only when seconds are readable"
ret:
h=5 m=4
